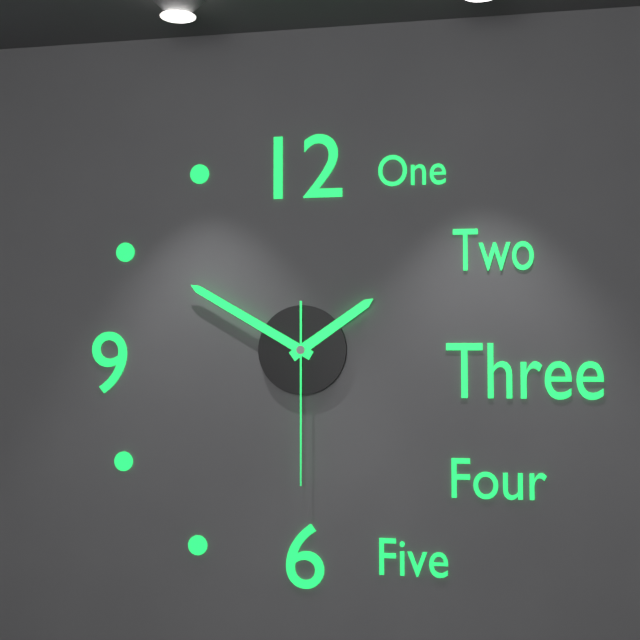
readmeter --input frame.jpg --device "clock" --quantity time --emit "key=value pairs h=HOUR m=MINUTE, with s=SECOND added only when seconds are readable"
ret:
h=1 m=50 s=30
